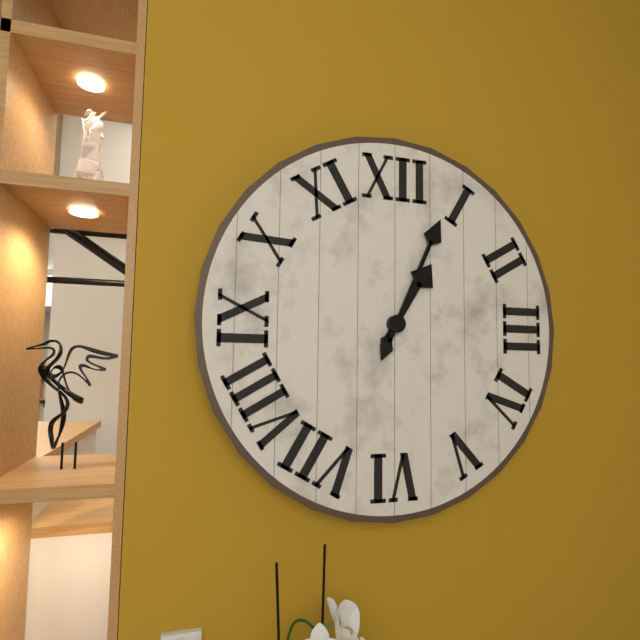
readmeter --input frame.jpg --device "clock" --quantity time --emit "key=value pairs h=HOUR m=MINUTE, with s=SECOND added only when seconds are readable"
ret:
h=1 m=4
